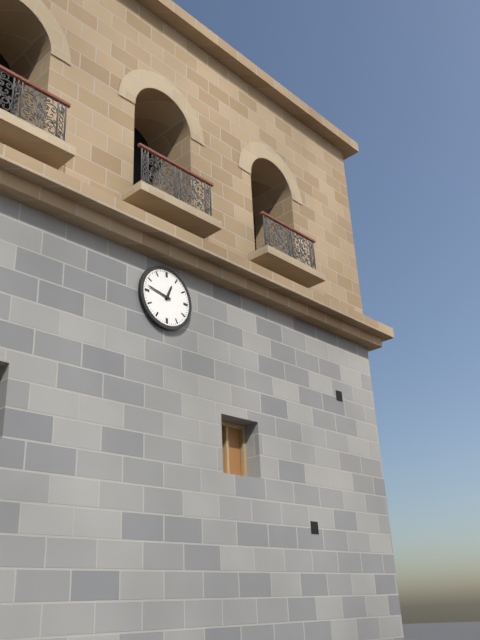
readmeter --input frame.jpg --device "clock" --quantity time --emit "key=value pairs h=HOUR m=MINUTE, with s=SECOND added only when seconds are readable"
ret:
h=12 m=47
